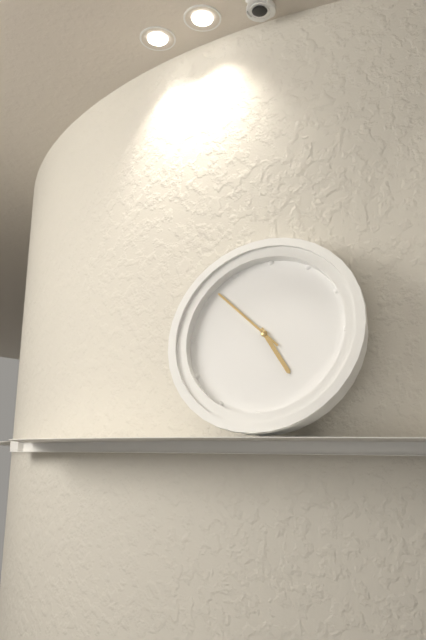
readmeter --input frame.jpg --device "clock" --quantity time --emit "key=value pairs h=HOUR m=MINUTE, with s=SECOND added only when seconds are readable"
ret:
h=4 m=52
